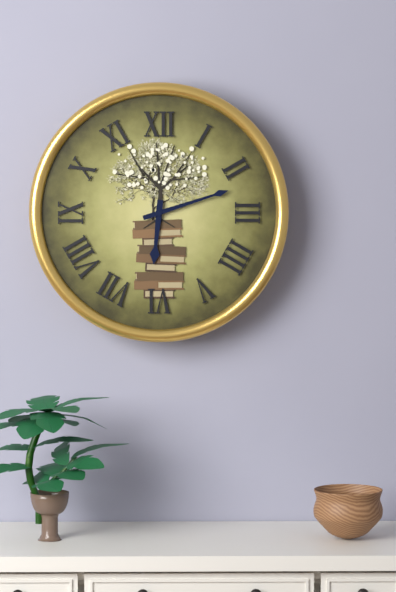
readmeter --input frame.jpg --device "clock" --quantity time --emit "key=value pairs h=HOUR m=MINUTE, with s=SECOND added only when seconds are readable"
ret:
h=6 m=12
